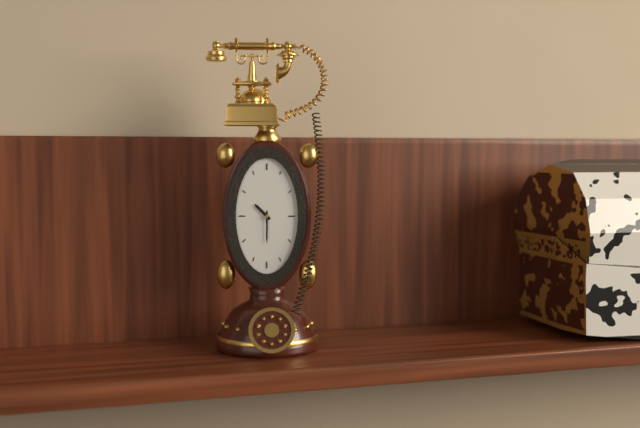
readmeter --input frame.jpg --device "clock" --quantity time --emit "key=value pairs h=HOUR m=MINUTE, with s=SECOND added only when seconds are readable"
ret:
h=10 m=30
